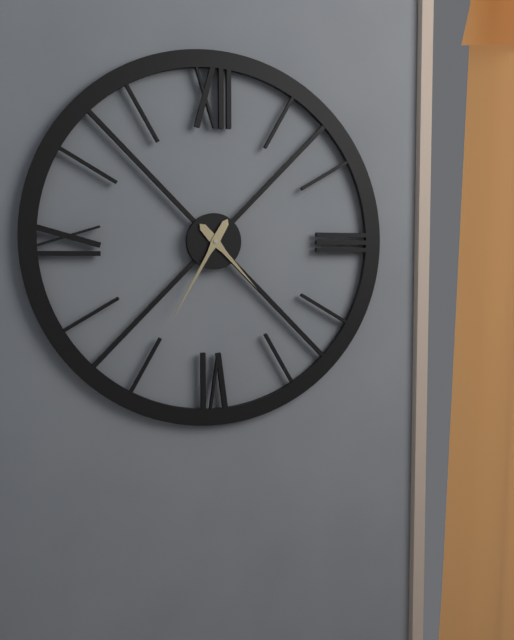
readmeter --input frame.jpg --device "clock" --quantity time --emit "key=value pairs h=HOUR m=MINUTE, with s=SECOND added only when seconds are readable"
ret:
h=4 m=35
